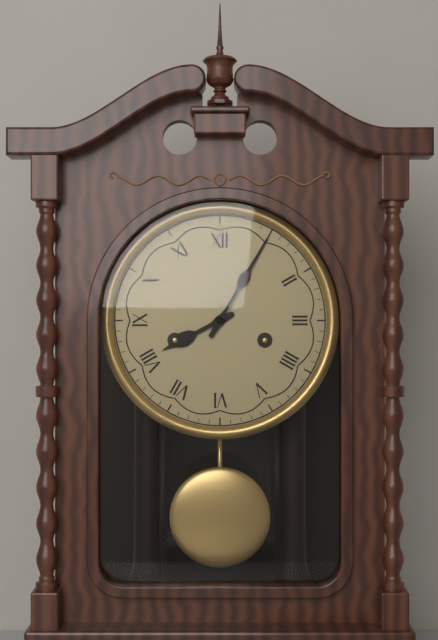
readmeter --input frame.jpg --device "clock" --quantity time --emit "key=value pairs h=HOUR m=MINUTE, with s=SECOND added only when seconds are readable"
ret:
h=8 m=5
